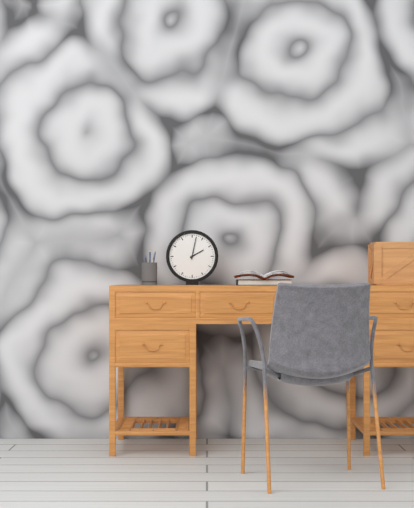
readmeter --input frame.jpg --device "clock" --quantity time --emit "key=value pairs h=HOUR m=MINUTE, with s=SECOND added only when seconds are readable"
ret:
h=2 m=2
